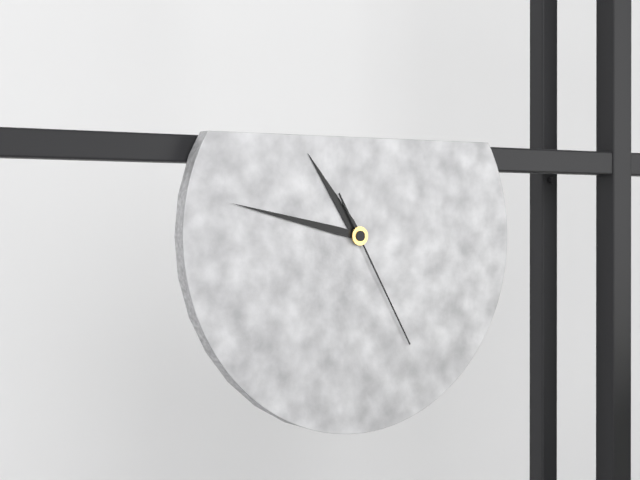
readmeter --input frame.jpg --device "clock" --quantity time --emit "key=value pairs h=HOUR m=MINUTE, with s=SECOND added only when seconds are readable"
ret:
h=10 m=47 s=25
